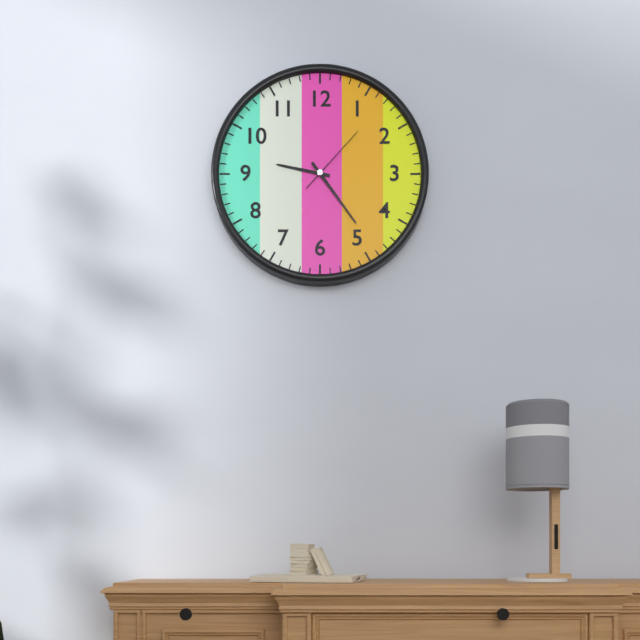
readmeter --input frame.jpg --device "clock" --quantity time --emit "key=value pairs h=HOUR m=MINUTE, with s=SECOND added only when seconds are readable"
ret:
h=9 m=24 s=7
